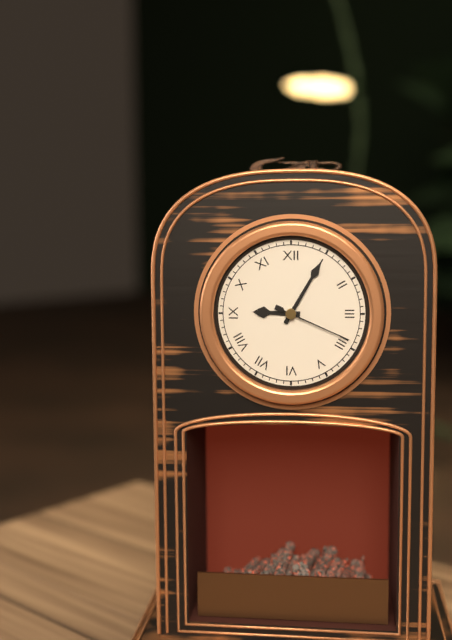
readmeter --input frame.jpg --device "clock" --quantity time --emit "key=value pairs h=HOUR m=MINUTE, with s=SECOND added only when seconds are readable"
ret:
h=9 m=5 s=19
